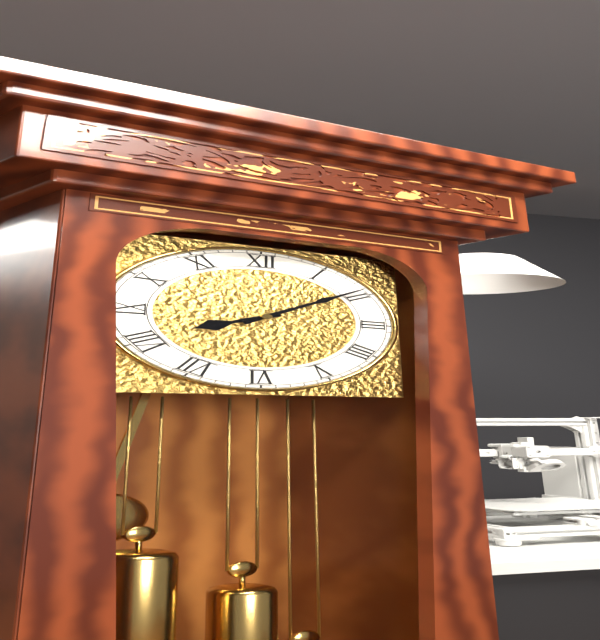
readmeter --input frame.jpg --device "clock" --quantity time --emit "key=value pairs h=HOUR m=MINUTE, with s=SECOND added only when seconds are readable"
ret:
h=8 m=9
